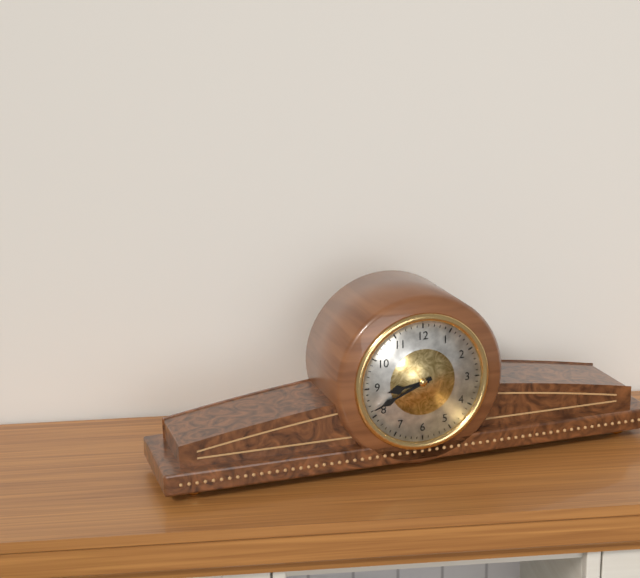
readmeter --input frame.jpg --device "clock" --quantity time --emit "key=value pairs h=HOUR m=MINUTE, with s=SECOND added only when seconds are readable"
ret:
h=8 m=41
